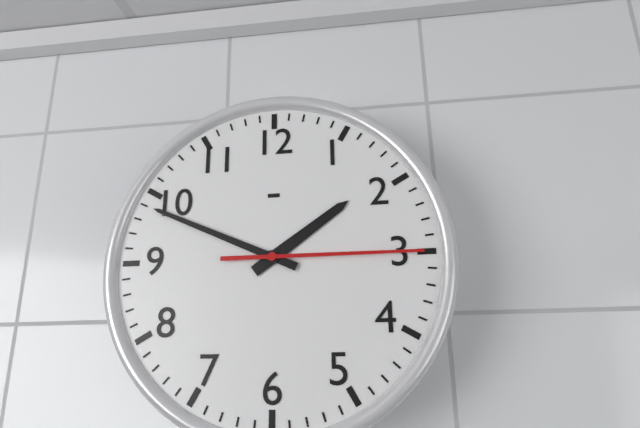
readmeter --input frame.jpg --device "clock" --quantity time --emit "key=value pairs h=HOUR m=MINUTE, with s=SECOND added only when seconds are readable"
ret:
h=1 m=49 s=15
